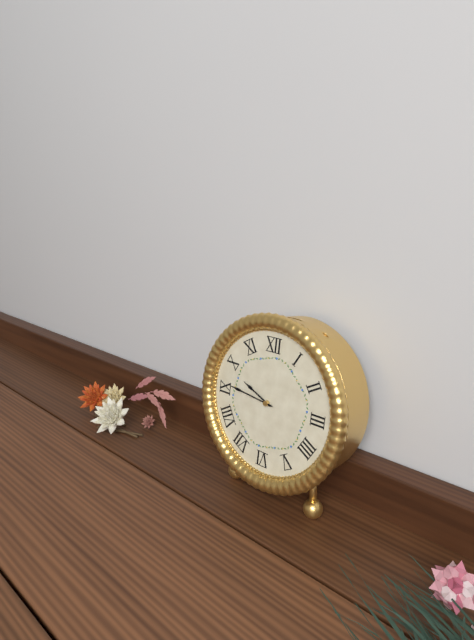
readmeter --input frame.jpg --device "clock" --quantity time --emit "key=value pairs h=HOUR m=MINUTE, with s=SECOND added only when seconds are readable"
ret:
h=9 m=46
